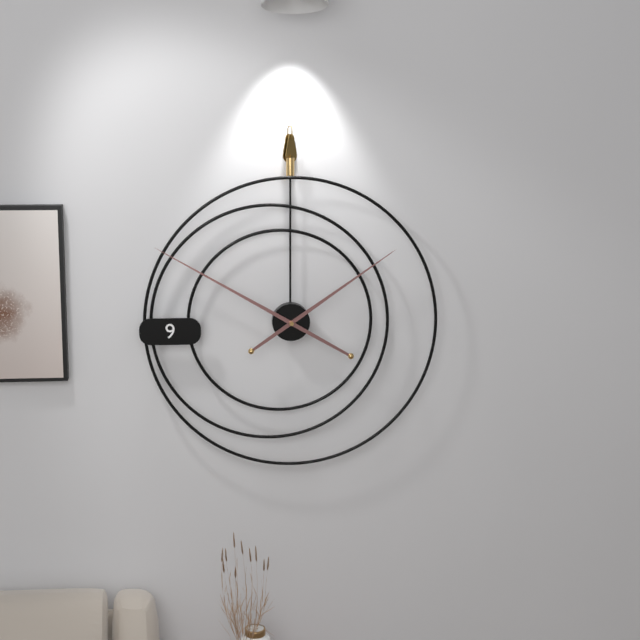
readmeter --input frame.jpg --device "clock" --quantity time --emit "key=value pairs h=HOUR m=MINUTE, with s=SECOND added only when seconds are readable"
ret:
h=1 m=50
